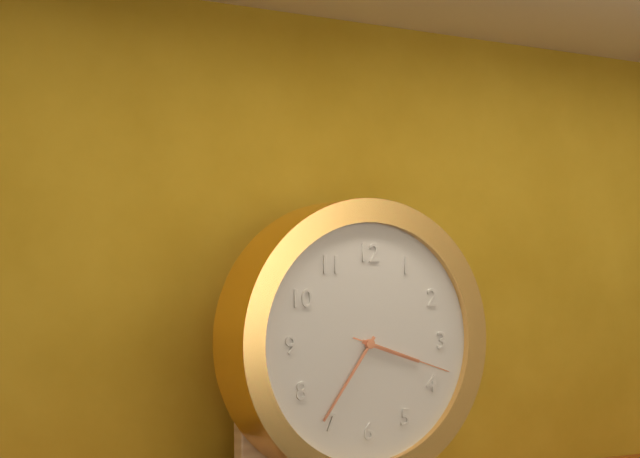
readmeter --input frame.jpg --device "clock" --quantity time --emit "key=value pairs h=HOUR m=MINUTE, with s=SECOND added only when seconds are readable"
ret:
h=3 m=36 s=18
